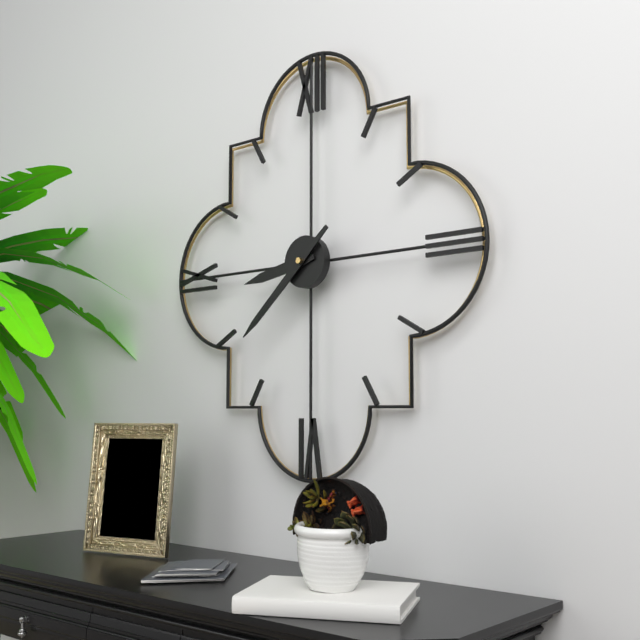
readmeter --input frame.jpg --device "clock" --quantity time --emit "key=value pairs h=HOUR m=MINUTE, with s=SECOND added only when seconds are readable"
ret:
h=8 m=38
